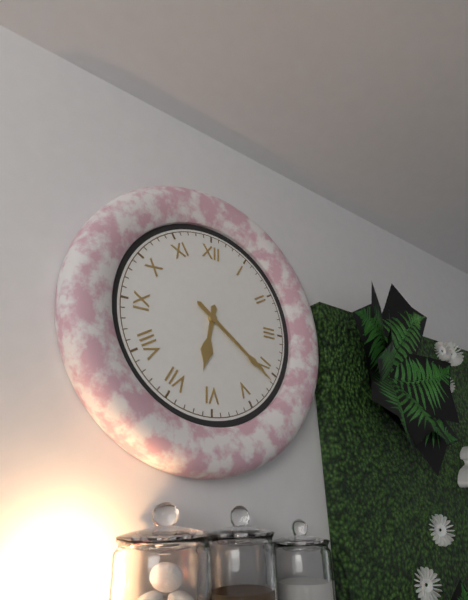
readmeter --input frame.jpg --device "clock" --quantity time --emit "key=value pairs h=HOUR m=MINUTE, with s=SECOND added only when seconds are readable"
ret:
h=6 m=21
